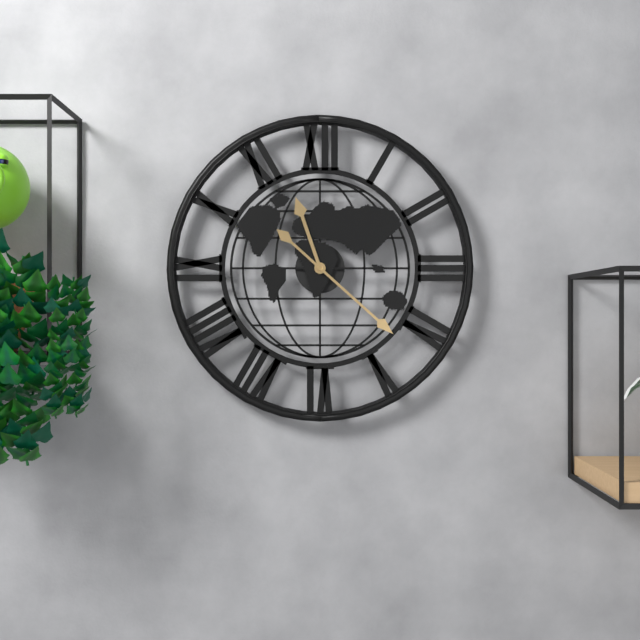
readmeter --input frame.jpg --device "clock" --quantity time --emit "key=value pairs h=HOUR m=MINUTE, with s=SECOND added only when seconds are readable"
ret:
h=11 m=22
